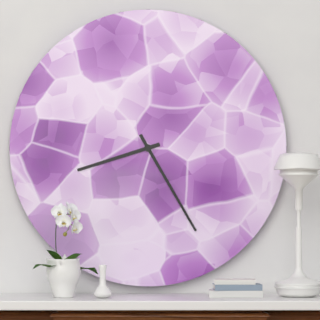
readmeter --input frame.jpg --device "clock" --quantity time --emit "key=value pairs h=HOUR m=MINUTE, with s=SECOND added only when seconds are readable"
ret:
h=8 m=25
